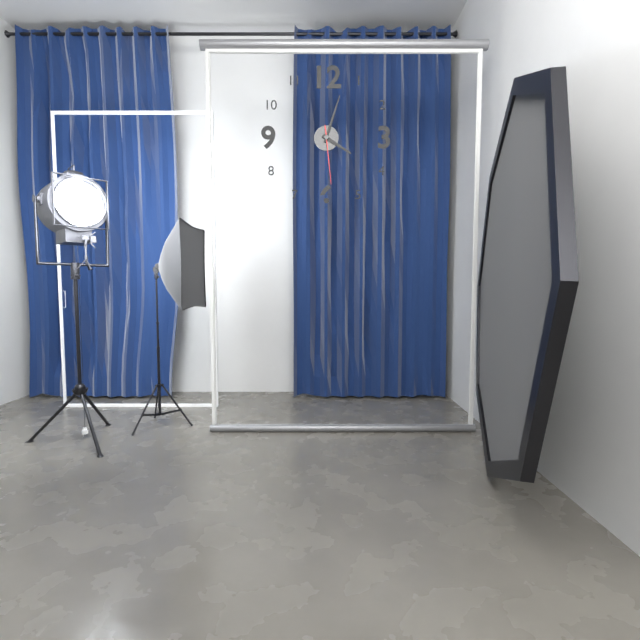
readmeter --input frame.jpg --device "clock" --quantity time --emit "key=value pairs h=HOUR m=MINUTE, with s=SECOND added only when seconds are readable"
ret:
h=4 m=3 s=29
